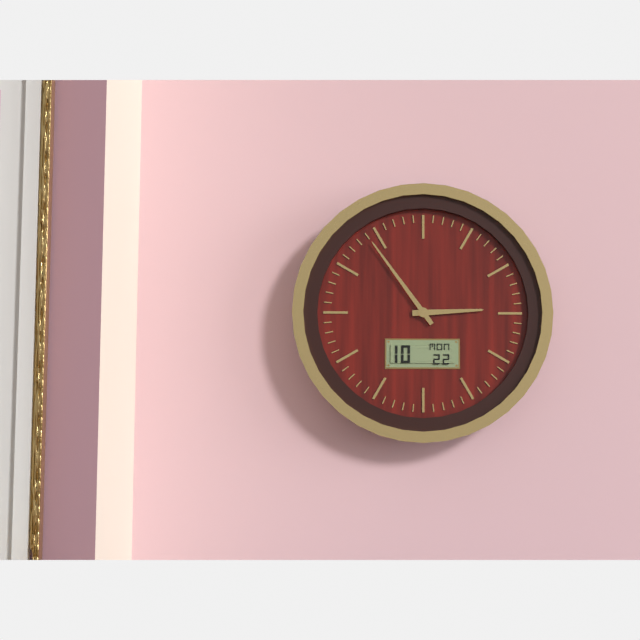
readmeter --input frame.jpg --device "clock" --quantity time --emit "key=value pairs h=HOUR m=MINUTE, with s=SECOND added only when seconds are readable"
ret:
h=2 m=54
